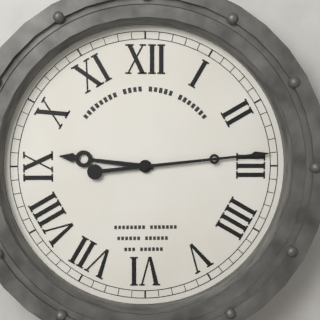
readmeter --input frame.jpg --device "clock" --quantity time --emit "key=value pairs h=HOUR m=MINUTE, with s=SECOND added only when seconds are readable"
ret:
h=9 m=14
